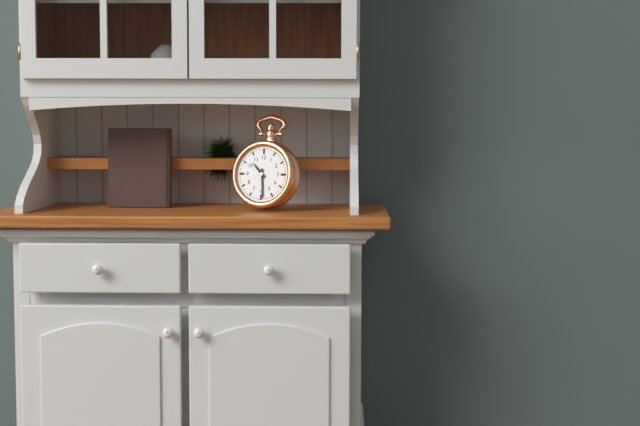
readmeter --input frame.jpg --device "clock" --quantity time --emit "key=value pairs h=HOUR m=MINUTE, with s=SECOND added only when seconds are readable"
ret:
h=10 m=29
